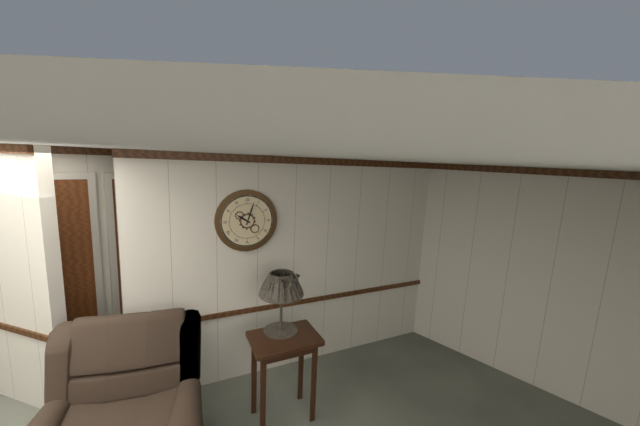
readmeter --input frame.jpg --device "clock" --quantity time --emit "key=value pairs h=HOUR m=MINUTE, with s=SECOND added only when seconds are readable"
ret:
h=10 m=3
